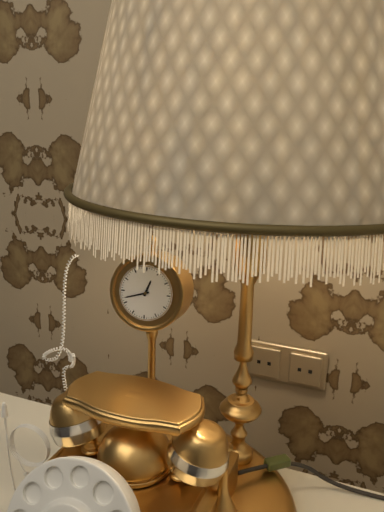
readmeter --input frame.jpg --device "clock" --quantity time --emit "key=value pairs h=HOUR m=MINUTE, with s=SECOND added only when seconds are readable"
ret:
h=12 m=42
